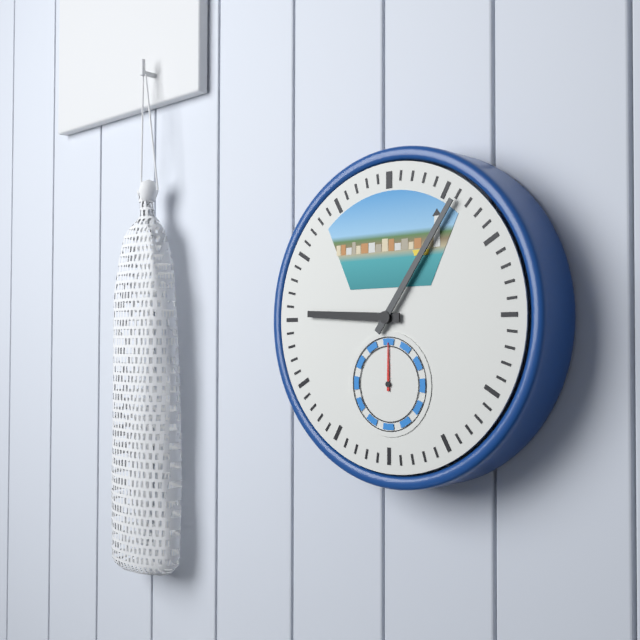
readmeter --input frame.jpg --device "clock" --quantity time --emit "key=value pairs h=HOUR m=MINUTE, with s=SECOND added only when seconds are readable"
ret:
h=9 m=6
